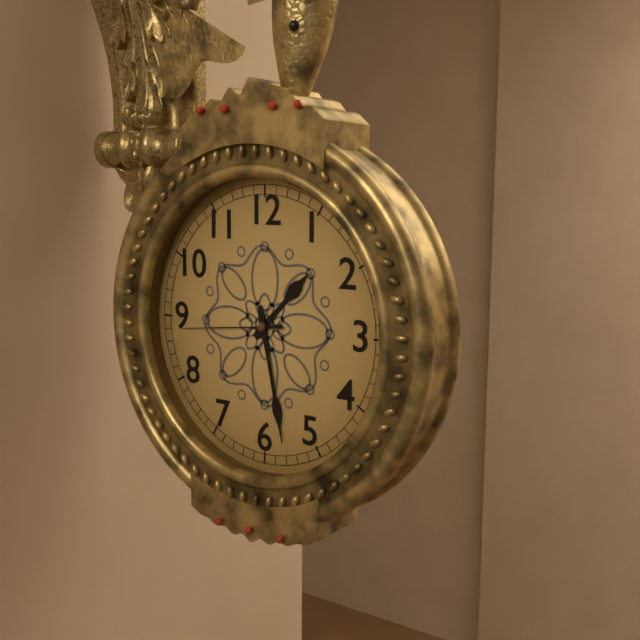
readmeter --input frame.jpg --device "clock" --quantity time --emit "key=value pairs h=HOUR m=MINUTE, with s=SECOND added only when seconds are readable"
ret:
h=1 m=28 s=44
